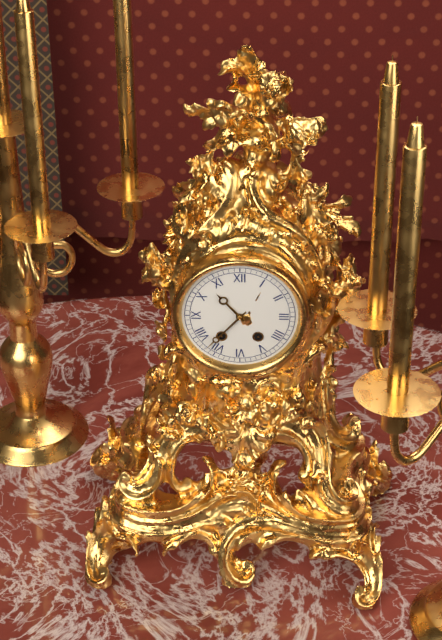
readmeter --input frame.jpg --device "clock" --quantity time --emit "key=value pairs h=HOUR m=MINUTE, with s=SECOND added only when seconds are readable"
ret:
h=10 m=37
